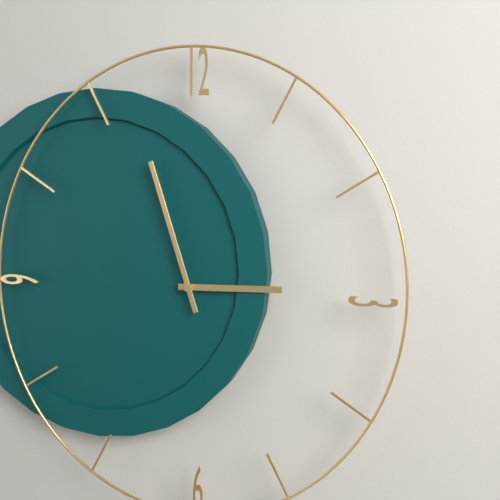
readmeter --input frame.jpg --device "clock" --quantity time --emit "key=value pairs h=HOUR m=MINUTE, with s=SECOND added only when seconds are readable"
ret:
h=2 m=57
